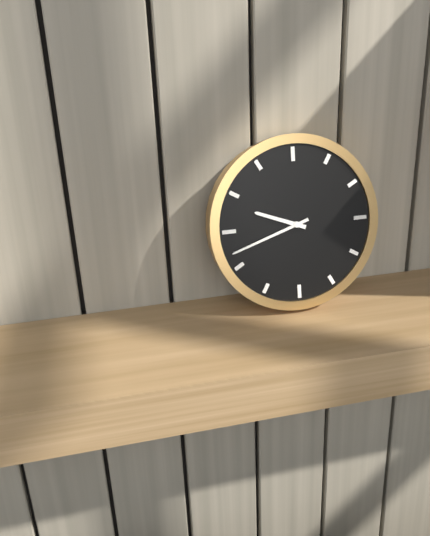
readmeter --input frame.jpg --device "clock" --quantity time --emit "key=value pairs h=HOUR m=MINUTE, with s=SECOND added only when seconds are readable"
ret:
h=9 m=42
